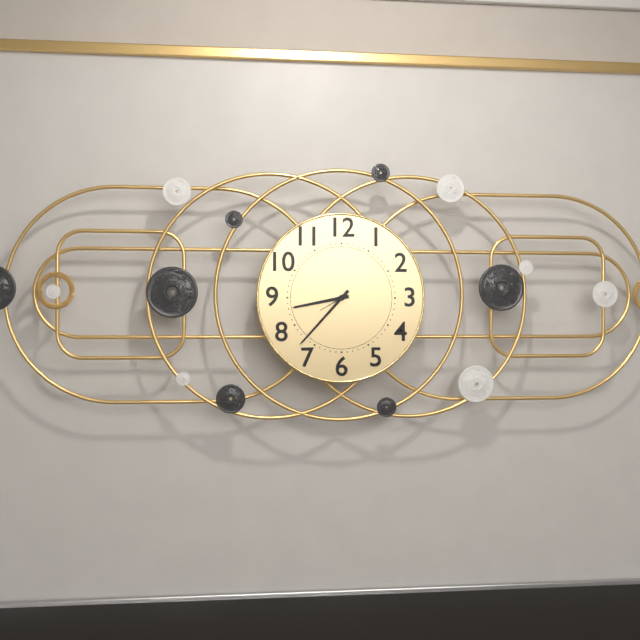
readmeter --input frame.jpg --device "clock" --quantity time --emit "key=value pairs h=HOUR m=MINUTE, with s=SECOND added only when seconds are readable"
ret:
h=8 m=37
